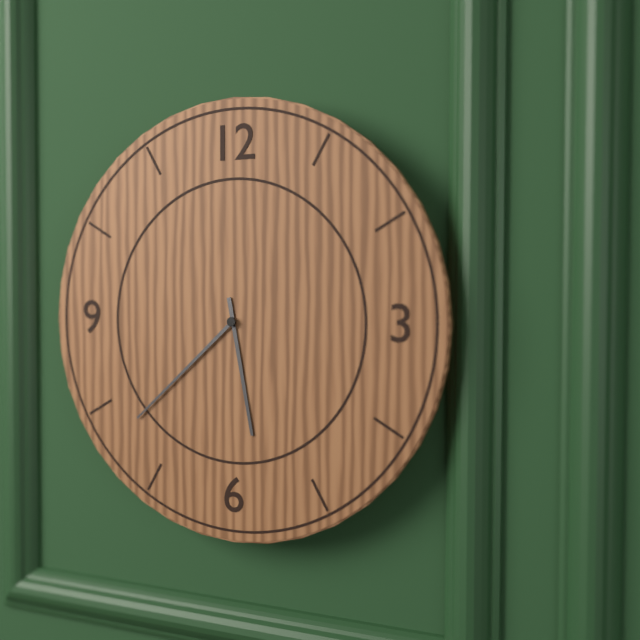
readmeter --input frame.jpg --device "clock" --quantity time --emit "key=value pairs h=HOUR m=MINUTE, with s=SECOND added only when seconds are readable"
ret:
h=5 m=38
